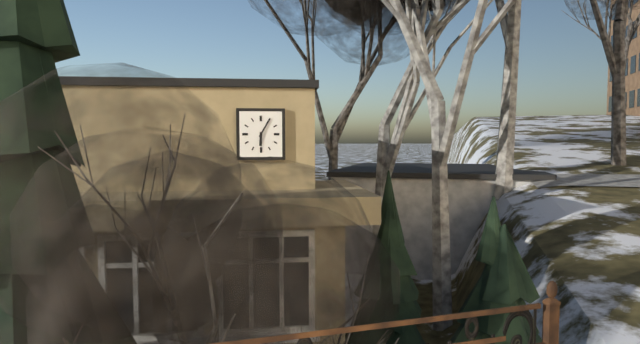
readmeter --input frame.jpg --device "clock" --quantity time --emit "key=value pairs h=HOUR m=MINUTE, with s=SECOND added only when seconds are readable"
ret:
h=6 m=5
